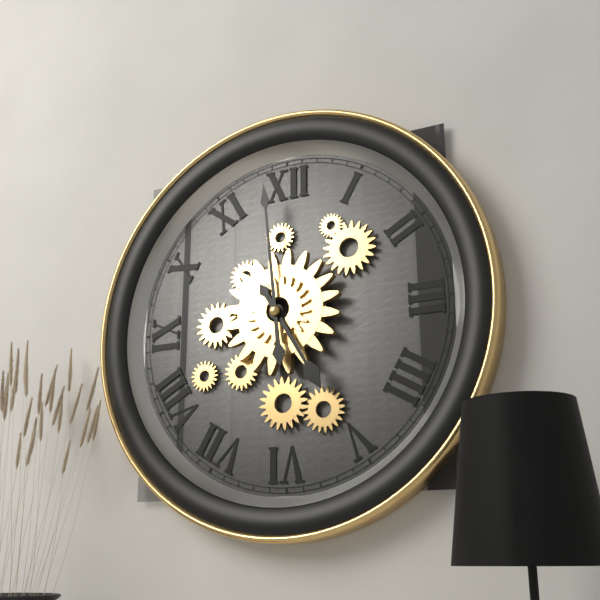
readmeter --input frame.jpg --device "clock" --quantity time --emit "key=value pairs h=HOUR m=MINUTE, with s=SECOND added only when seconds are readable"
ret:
h=4 m=59
